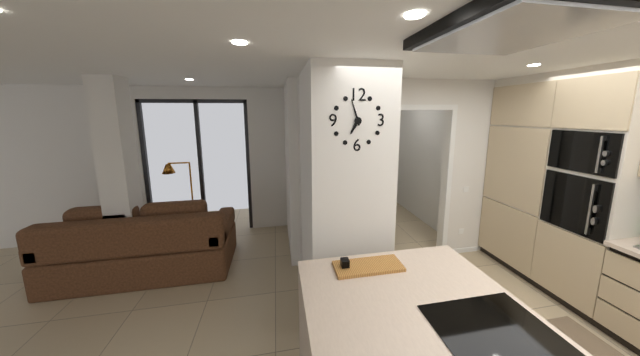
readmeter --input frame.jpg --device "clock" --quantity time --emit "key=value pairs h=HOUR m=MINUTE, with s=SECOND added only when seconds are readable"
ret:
h=6 m=57
